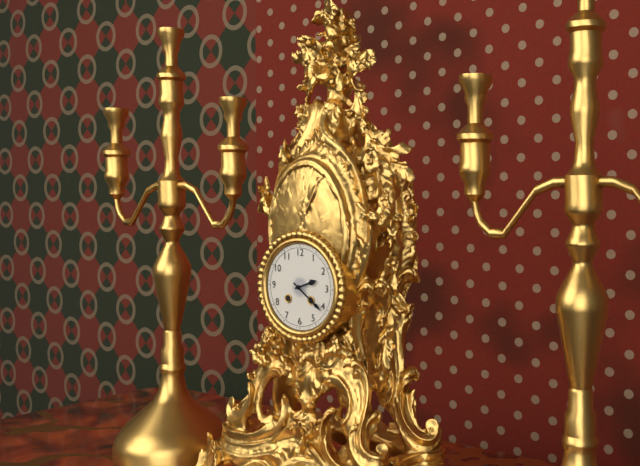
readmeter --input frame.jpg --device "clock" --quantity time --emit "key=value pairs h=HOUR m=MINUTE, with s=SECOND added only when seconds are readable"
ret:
h=2 m=21
